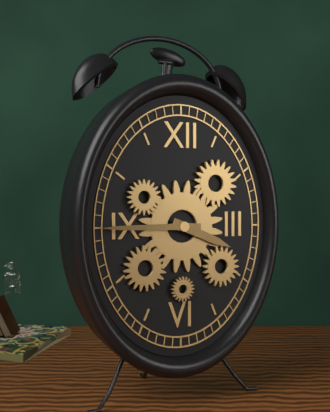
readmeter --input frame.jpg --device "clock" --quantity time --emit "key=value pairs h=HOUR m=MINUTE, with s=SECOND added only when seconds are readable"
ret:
h=3 m=45
